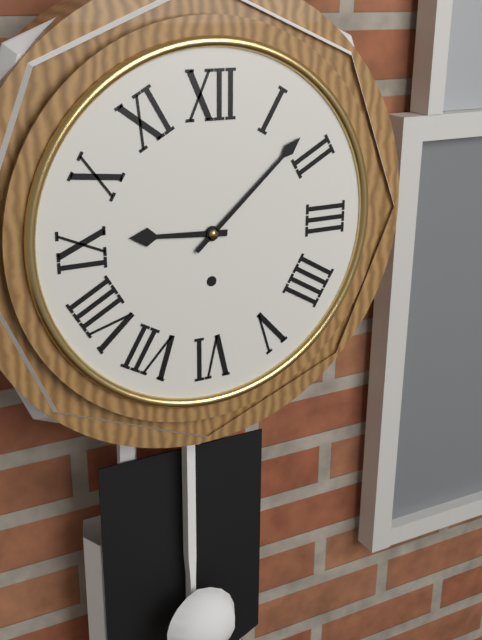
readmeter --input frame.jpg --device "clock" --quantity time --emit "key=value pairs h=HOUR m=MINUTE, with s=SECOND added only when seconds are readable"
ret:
h=9 m=8
